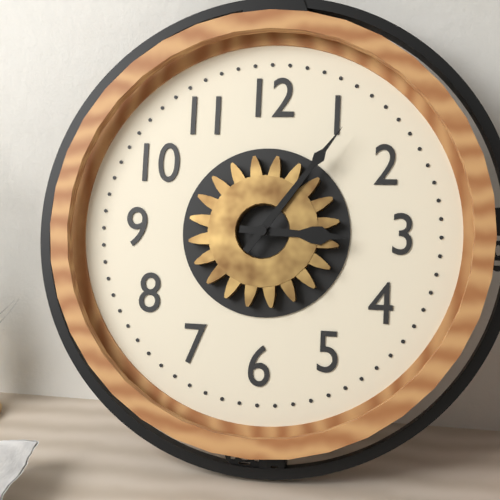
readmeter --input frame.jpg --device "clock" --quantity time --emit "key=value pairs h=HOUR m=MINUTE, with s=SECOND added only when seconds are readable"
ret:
h=3 m=6
